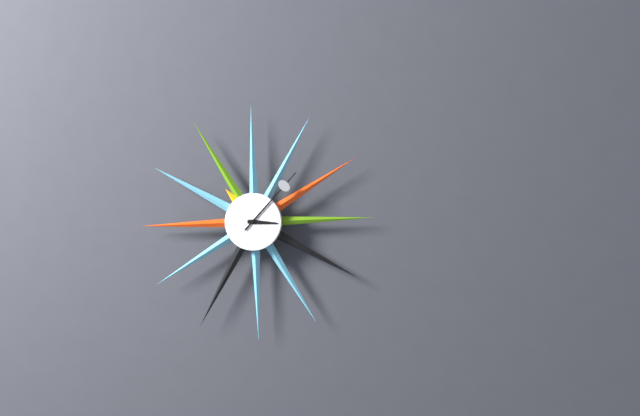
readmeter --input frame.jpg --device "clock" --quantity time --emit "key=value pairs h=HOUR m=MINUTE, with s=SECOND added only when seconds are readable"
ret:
h=3 m=7
